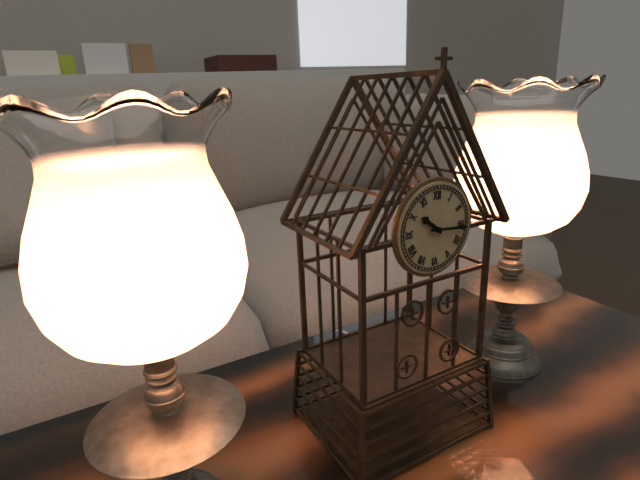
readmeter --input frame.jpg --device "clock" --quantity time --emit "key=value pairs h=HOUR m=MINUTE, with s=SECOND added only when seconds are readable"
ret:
h=10 m=16
